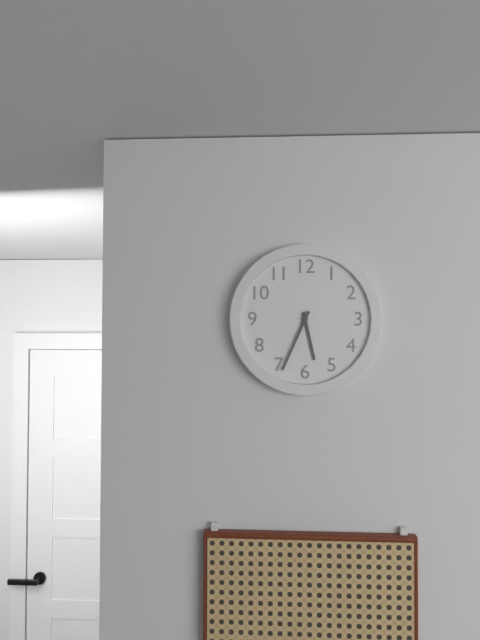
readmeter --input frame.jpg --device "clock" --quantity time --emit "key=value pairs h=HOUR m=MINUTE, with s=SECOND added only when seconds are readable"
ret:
h=5 m=34
